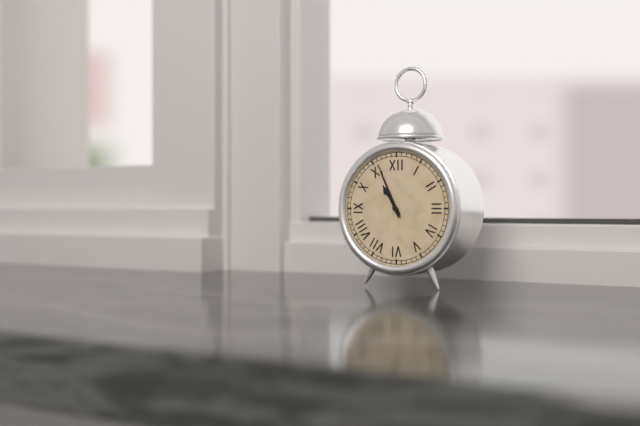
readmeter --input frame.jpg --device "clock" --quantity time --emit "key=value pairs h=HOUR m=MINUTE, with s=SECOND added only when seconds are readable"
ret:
h=10 m=56
